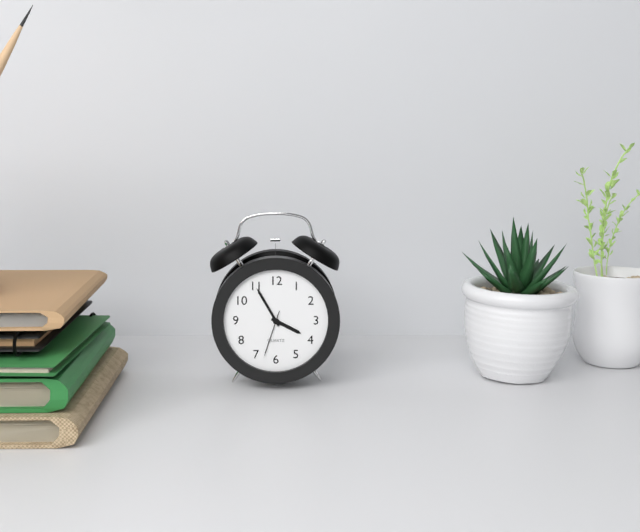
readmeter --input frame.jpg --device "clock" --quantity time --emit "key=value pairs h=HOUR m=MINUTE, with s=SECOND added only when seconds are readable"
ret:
h=3 m=55
